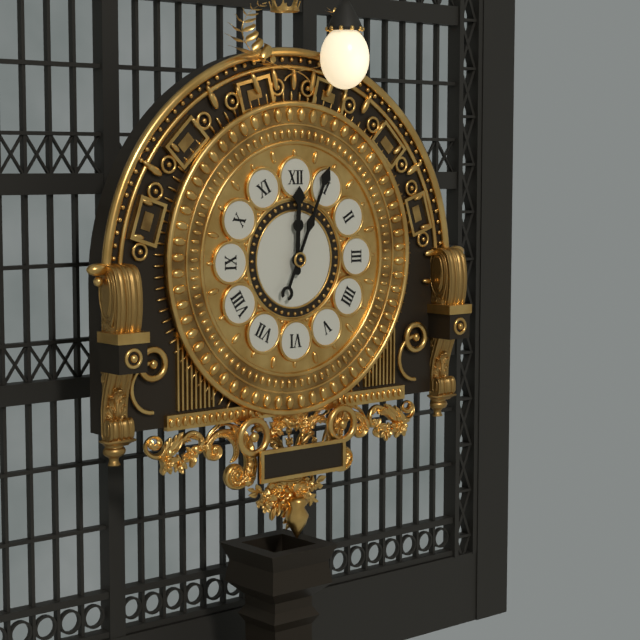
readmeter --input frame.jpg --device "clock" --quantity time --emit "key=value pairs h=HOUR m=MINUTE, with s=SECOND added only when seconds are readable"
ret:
h=12 m=4
